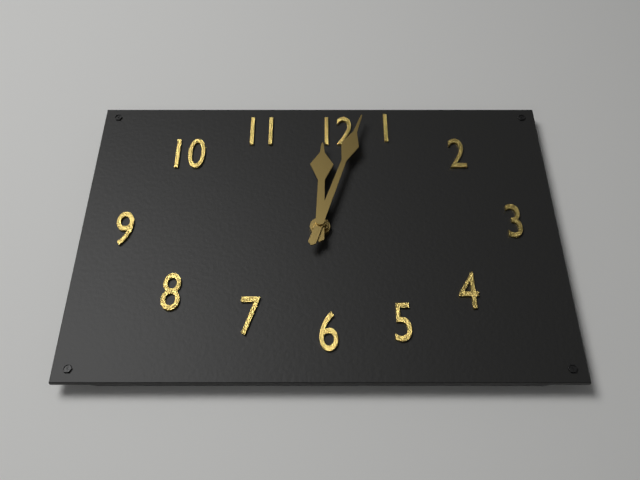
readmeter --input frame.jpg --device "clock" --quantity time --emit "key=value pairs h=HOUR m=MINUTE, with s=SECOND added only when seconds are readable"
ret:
h=12 m=3
